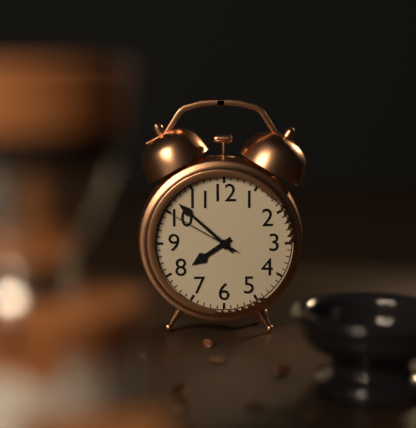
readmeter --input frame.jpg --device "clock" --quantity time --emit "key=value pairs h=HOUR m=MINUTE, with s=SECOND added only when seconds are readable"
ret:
h=7 m=52 s=50
